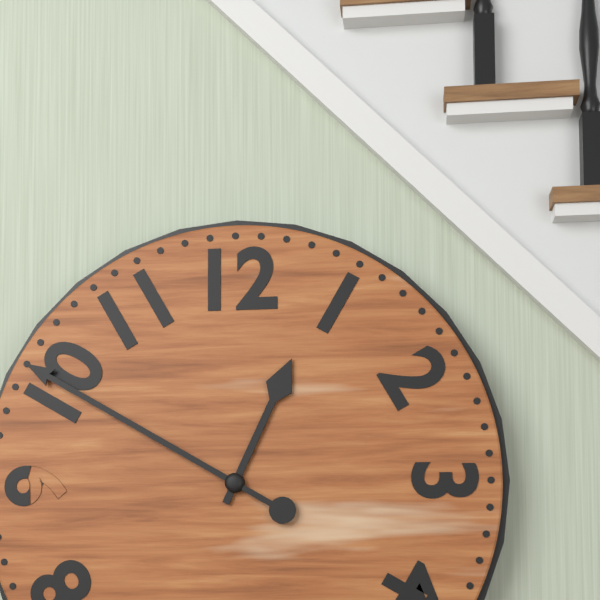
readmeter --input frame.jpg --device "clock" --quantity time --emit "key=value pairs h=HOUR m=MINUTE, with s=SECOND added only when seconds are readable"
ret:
h=12 m=50
